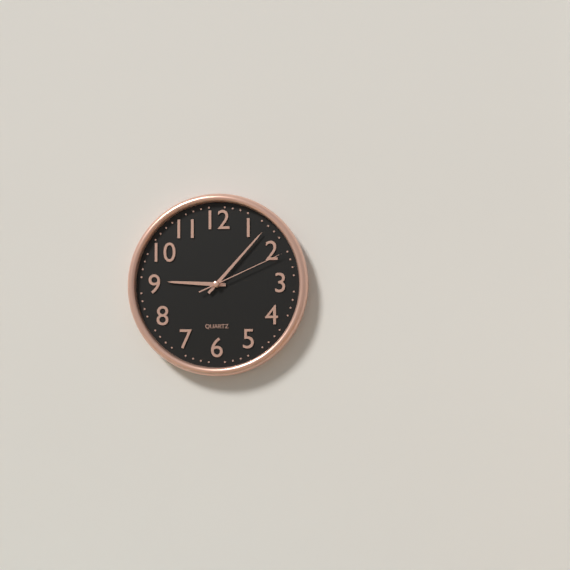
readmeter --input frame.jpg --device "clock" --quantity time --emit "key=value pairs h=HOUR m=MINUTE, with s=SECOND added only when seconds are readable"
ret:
h=9 m=7 s=11
